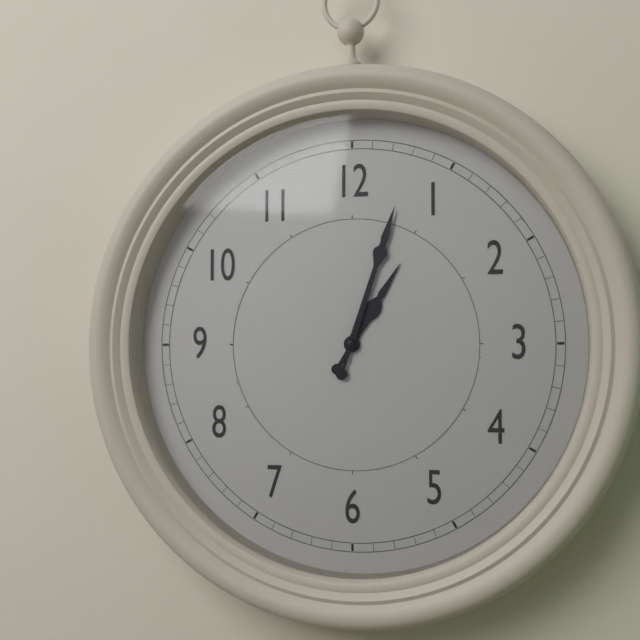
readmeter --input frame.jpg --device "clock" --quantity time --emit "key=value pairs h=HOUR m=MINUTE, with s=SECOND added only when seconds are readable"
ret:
h=1 m=3
